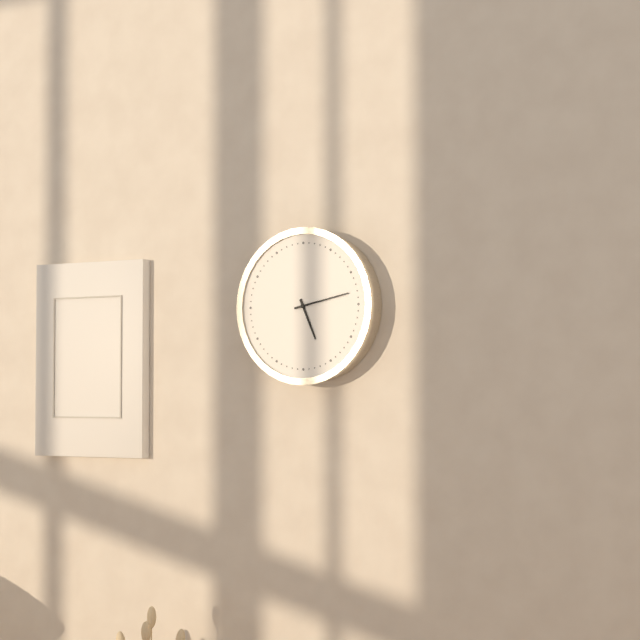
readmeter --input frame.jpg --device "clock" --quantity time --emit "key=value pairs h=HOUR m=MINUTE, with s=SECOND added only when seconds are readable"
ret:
h=5 m=13
